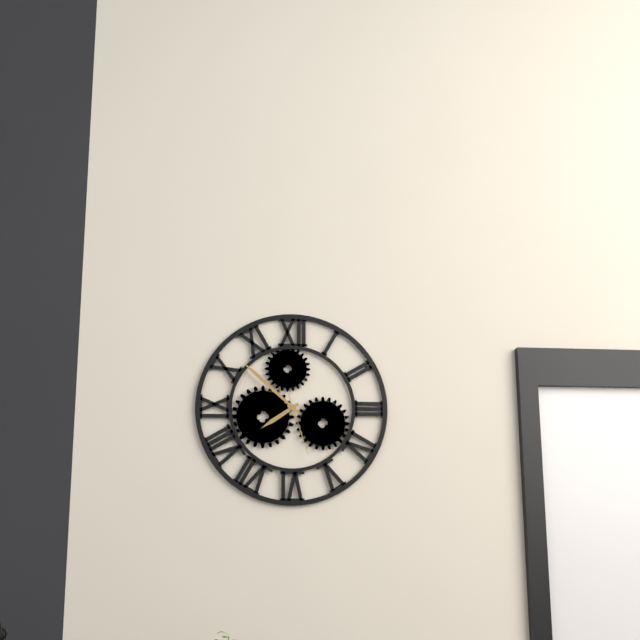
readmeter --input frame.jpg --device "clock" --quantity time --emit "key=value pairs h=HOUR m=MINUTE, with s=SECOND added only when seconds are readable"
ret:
h=7 m=52 s=27
